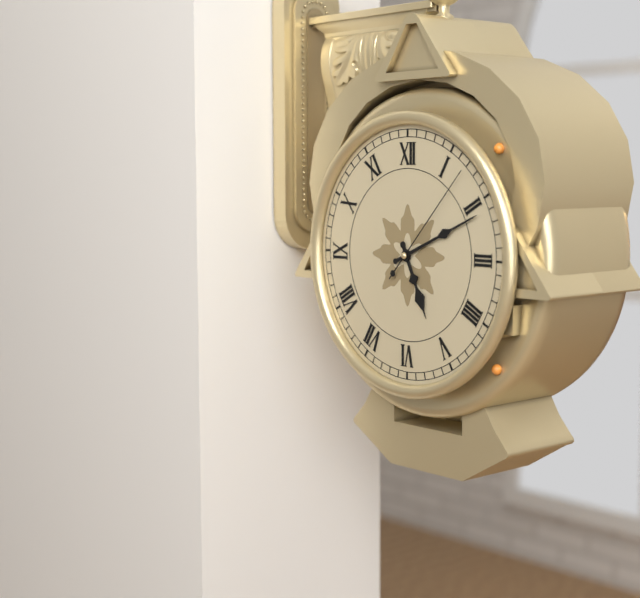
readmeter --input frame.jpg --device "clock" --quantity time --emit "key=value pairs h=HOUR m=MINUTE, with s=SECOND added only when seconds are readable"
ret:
h=5 m=11 s=7
